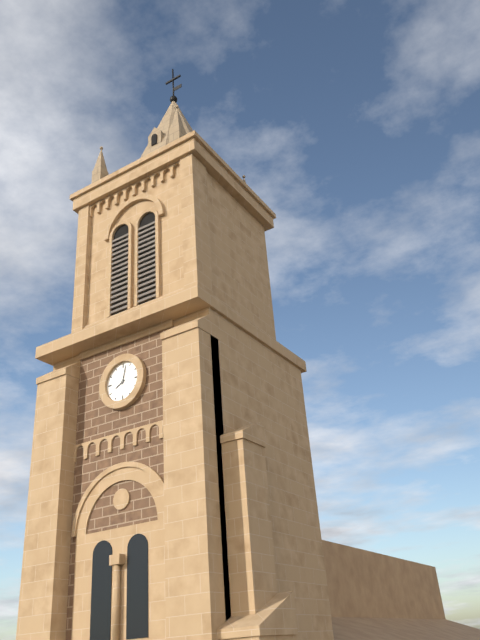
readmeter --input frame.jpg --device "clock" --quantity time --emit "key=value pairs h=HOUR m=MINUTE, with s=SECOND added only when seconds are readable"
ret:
h=8 m=2
